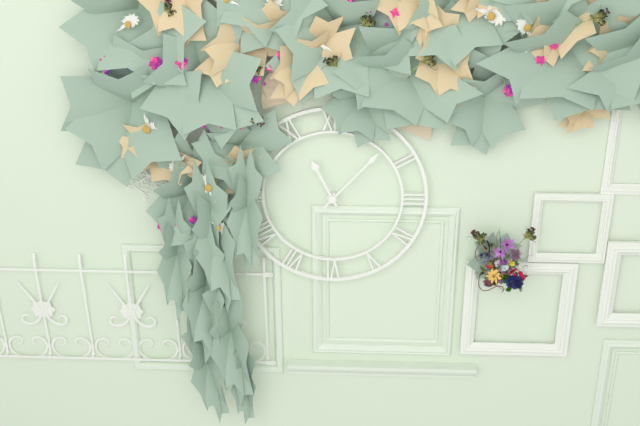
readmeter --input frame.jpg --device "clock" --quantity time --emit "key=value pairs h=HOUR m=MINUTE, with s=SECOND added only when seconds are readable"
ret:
h=11 m=7
